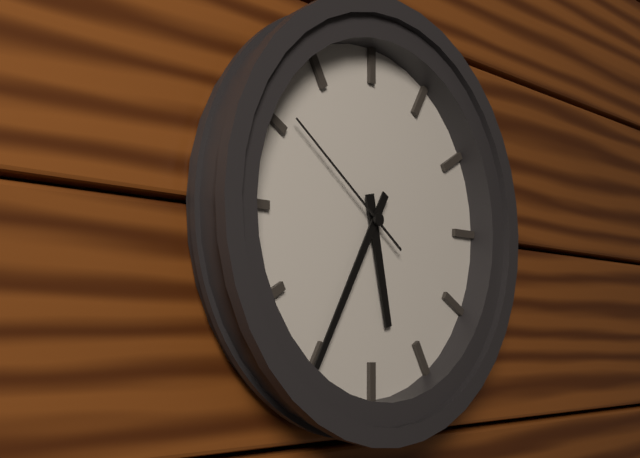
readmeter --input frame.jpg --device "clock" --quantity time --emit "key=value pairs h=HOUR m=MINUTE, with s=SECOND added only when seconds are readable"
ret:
h=5 m=35 s=51
